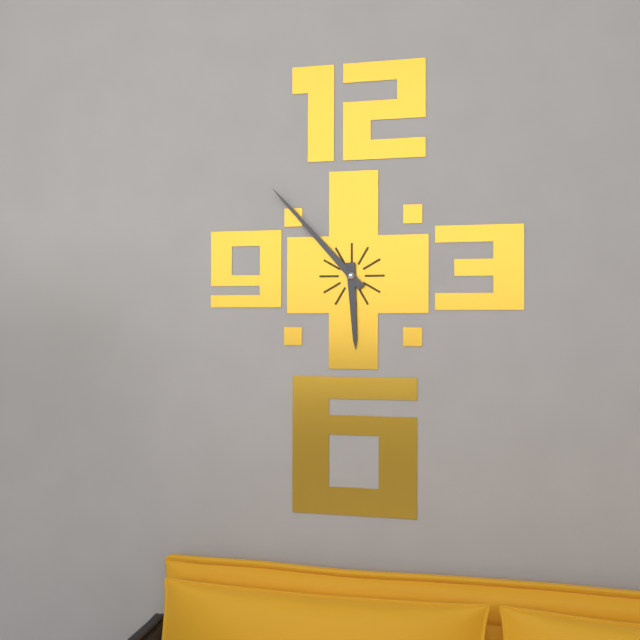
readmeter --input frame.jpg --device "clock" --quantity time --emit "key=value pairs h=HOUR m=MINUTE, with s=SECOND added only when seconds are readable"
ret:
h=5 m=53
